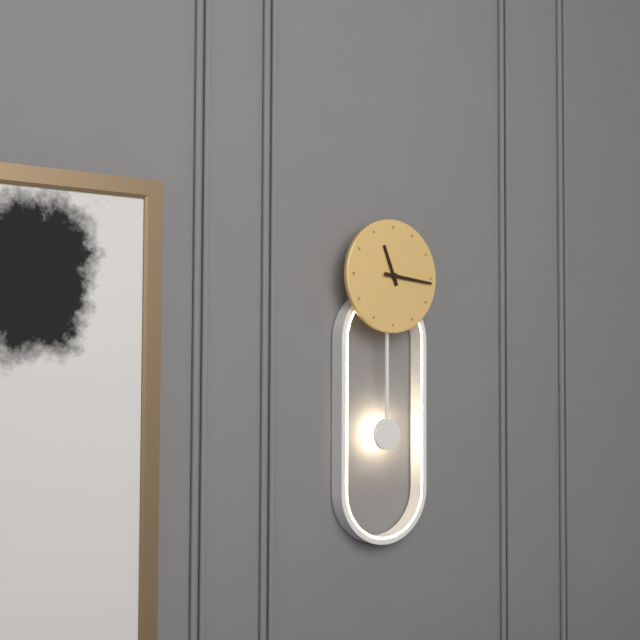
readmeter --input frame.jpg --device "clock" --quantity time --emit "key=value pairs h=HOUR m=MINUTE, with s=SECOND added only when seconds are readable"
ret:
h=11 m=16
